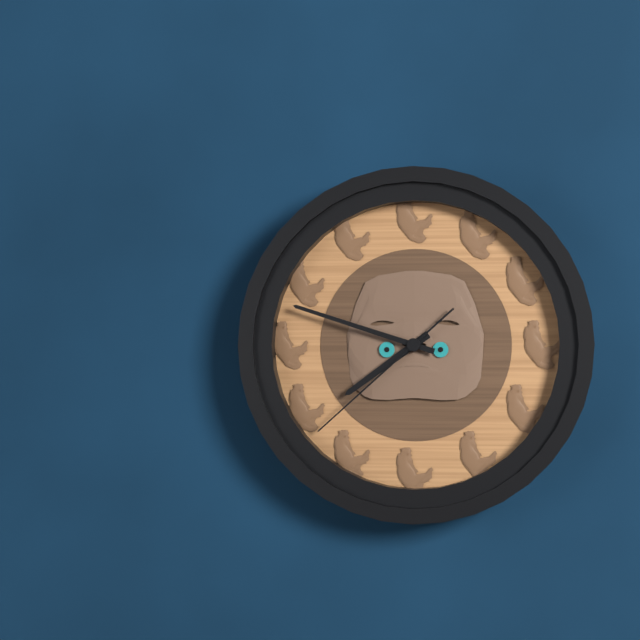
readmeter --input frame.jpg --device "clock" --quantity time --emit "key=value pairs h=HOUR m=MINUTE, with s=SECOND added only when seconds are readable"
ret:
h=7 m=48 s=38
